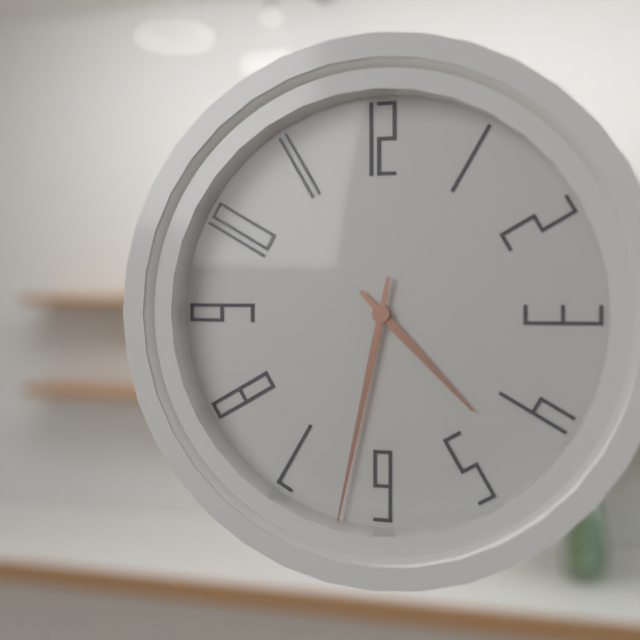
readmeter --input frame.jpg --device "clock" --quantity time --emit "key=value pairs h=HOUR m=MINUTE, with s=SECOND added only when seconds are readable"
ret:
h=4 m=32
